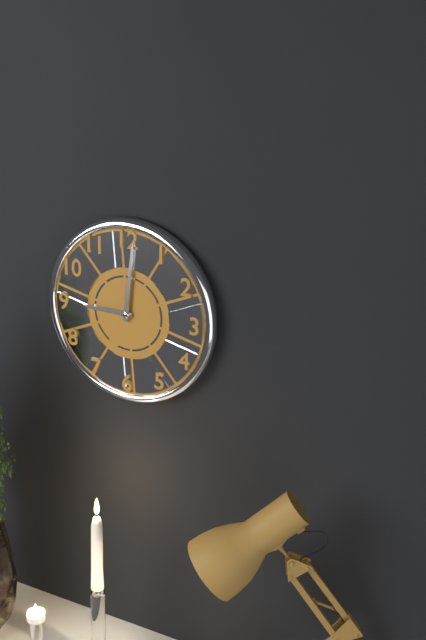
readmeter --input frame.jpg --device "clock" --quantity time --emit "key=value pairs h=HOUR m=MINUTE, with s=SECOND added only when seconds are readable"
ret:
h=9 m=1
